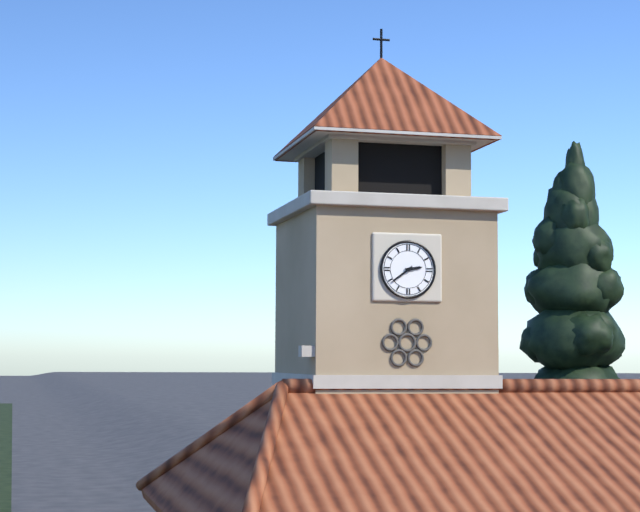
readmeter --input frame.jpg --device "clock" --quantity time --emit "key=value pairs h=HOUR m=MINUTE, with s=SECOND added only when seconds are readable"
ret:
h=2 m=39
